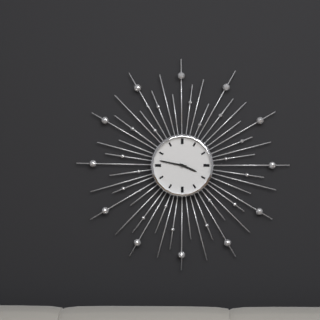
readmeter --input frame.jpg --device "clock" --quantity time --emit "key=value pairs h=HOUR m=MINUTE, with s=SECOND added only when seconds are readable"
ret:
h=3 m=47
